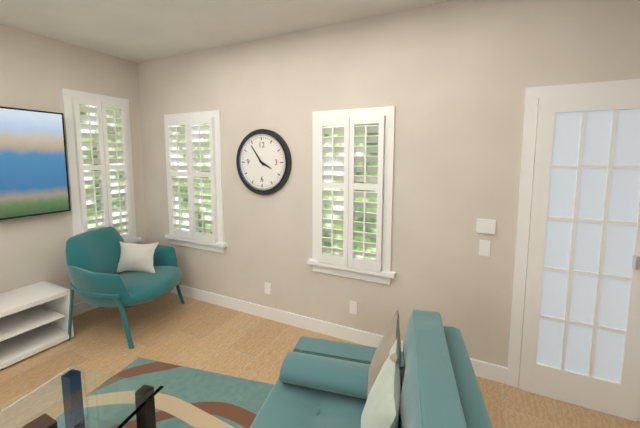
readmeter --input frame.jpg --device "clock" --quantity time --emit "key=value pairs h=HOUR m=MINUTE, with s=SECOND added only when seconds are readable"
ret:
h=3 m=54
